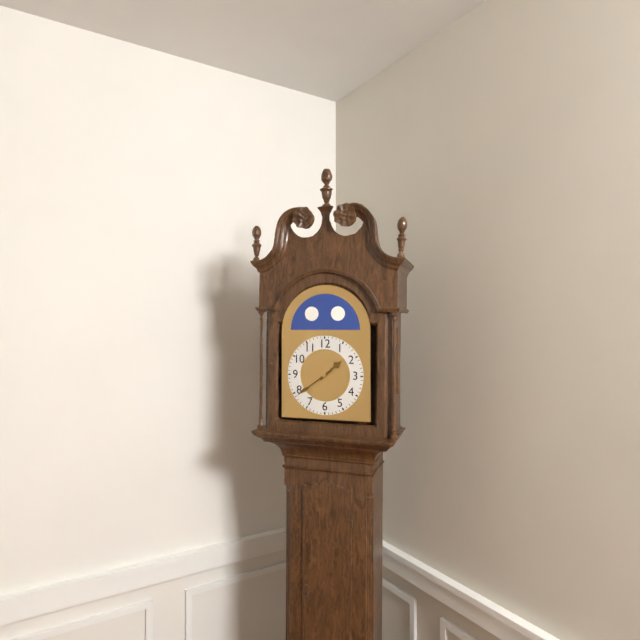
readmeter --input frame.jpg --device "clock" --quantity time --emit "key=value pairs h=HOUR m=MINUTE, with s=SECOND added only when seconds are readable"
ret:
h=1 m=39
